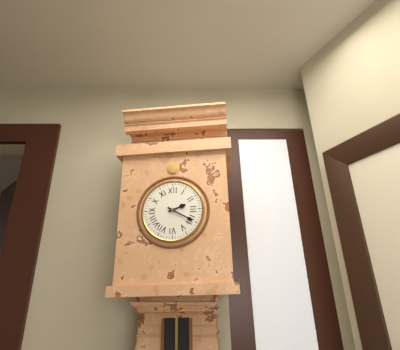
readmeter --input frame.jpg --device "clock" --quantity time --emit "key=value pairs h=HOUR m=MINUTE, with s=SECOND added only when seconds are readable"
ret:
h=2 m=20
